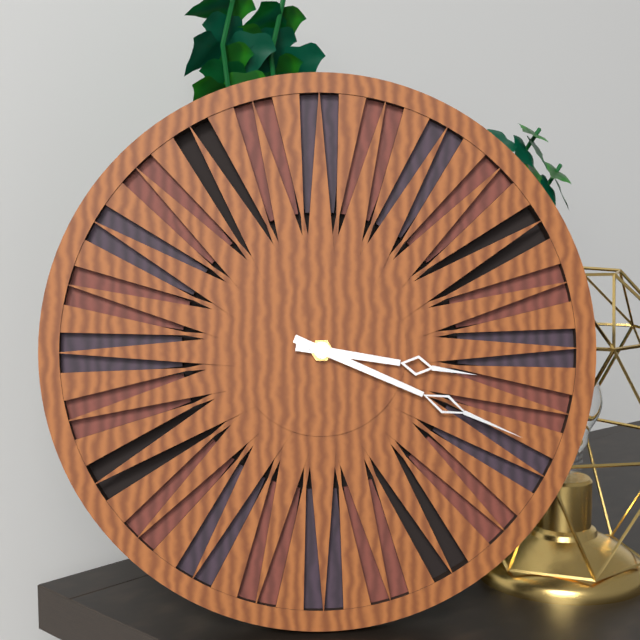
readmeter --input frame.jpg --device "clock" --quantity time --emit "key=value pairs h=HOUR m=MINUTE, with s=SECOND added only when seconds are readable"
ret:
h=3 m=19
